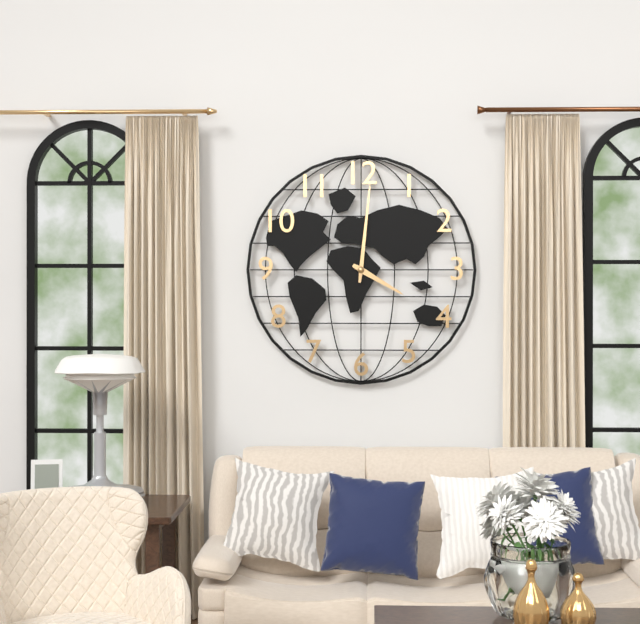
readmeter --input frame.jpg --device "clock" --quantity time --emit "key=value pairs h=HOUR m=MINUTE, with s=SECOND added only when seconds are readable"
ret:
h=4 m=1
